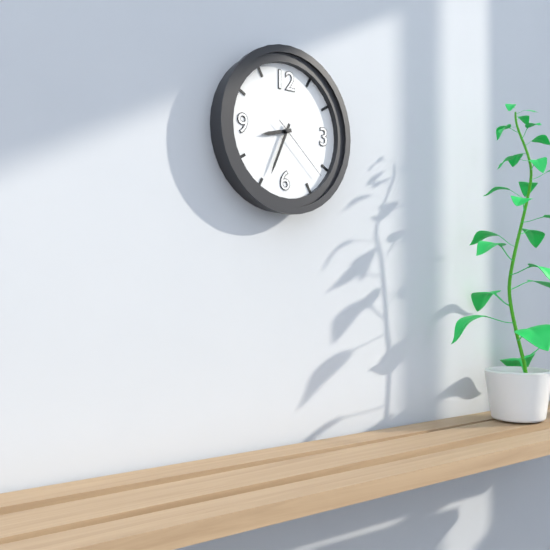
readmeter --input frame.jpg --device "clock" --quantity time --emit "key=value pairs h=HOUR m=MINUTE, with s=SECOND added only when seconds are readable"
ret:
h=8 m=34 s=22
